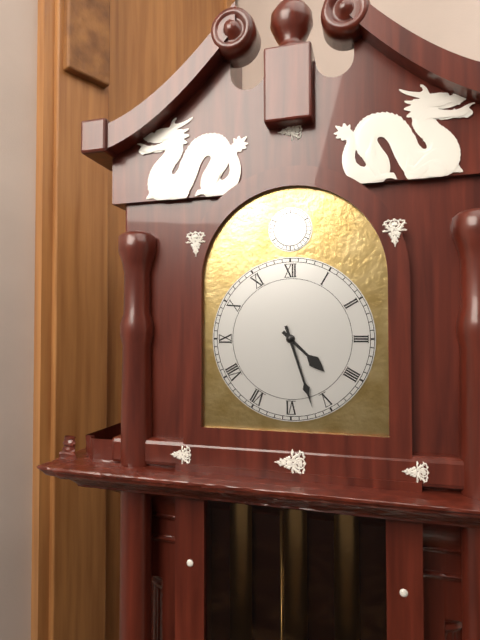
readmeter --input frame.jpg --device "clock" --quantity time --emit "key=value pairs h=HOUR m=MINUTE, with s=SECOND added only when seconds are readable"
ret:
h=4 m=27
